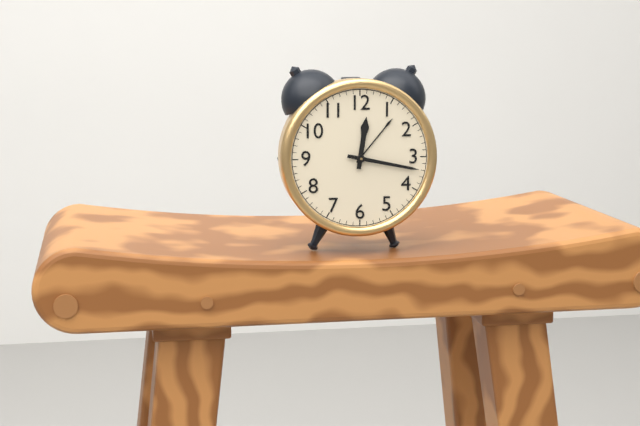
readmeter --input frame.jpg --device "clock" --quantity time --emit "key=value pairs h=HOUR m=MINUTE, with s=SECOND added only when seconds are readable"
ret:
h=12 m=17
